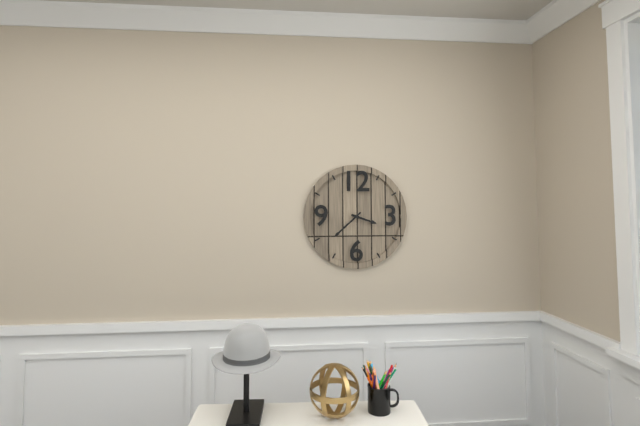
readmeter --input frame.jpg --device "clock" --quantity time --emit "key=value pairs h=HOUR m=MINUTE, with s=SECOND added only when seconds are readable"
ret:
h=3 m=38
